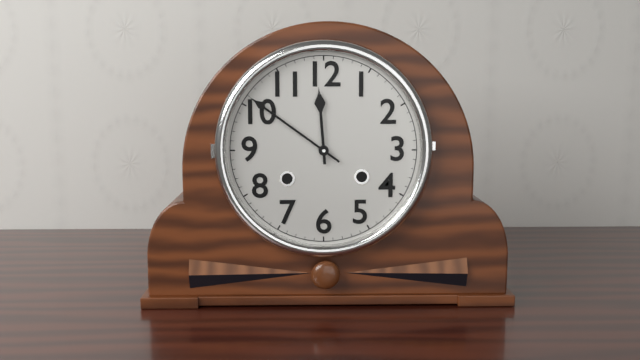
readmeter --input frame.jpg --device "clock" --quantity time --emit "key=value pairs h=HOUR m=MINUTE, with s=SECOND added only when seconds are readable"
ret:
h=11 m=51
